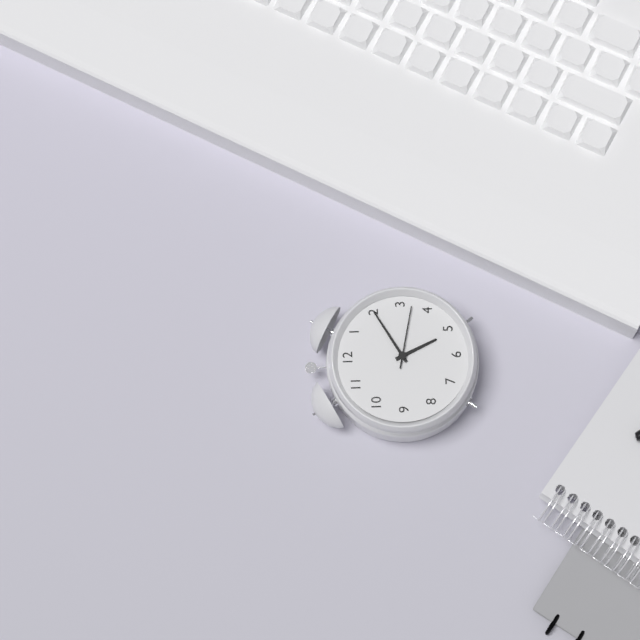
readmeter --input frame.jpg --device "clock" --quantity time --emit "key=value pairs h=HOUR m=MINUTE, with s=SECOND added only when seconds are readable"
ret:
h=5 m=10 s=17
